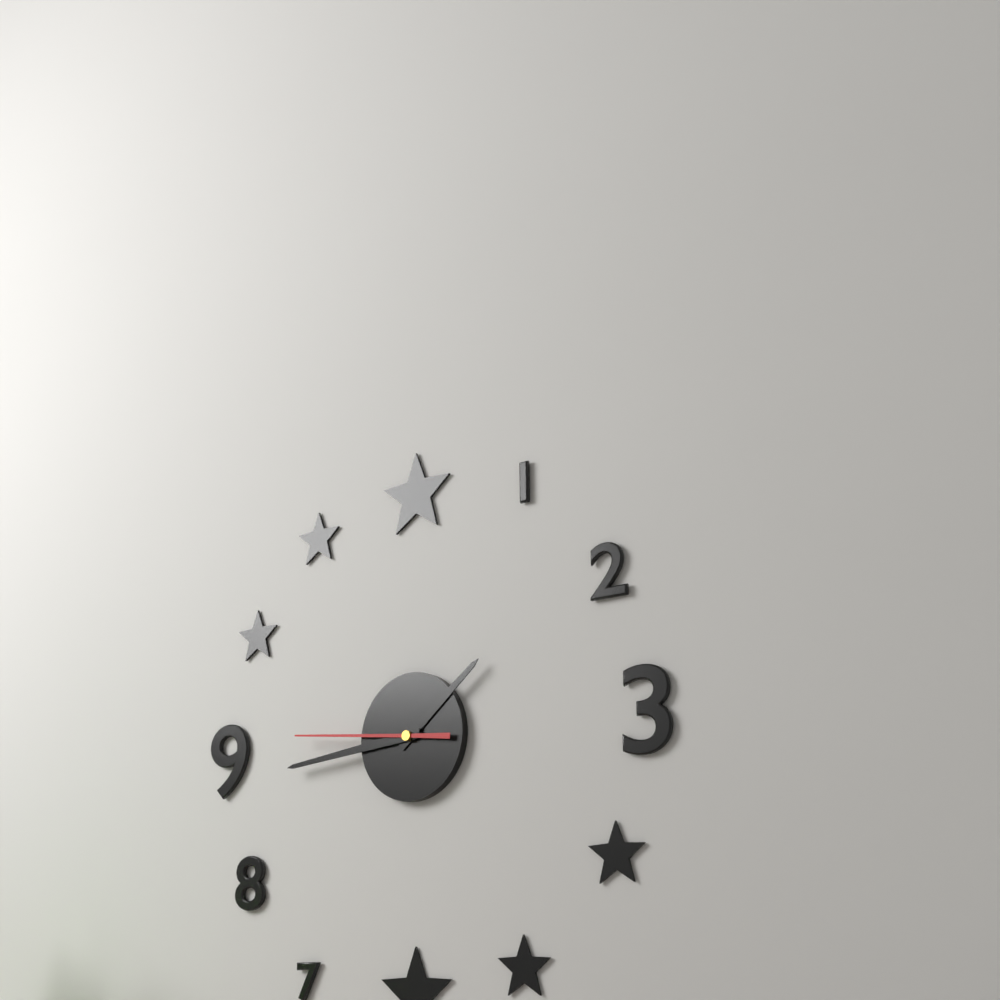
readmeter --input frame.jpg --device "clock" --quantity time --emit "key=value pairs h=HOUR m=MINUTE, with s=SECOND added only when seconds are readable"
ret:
h=1 m=44 s=46
